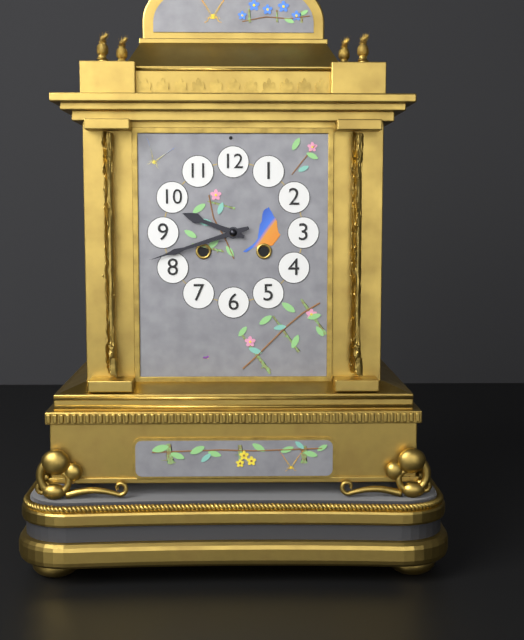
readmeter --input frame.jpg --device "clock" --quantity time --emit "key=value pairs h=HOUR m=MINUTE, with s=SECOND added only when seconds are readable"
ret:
h=9 m=42
